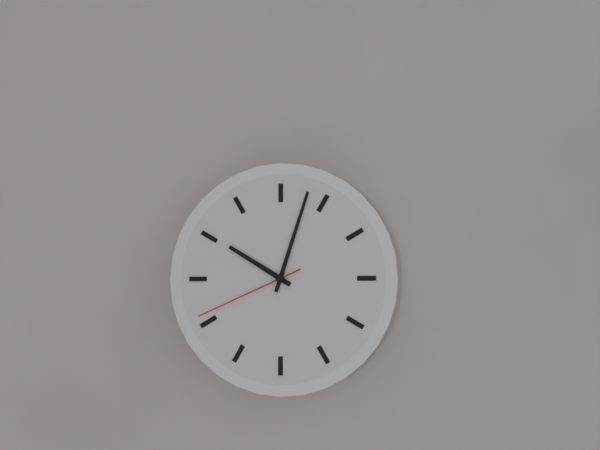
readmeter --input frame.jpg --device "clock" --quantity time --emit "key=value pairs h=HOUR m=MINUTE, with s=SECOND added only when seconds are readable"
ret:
h=10 m=3 s=41
